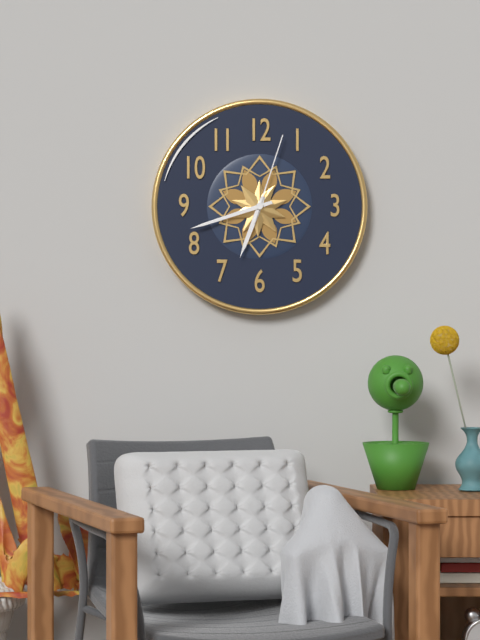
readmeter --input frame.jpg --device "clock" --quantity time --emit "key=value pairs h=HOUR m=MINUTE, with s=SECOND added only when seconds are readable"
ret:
h=6 m=42 s=3
